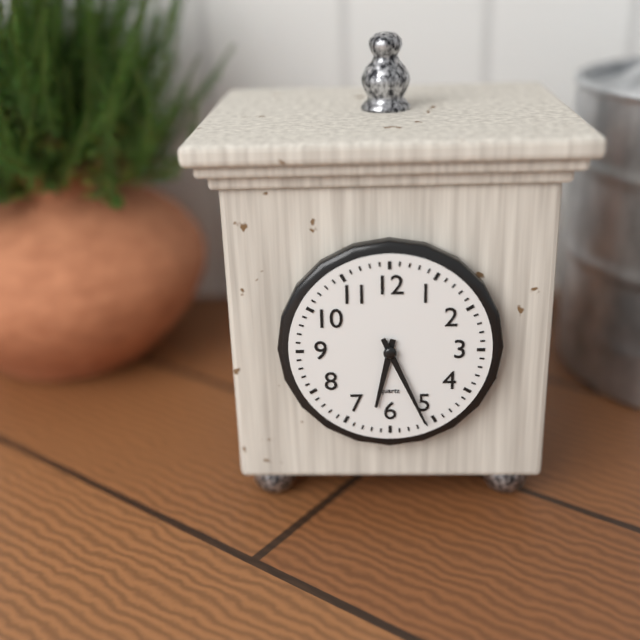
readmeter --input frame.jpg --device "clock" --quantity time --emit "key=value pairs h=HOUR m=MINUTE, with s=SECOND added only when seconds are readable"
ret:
h=6 m=26
